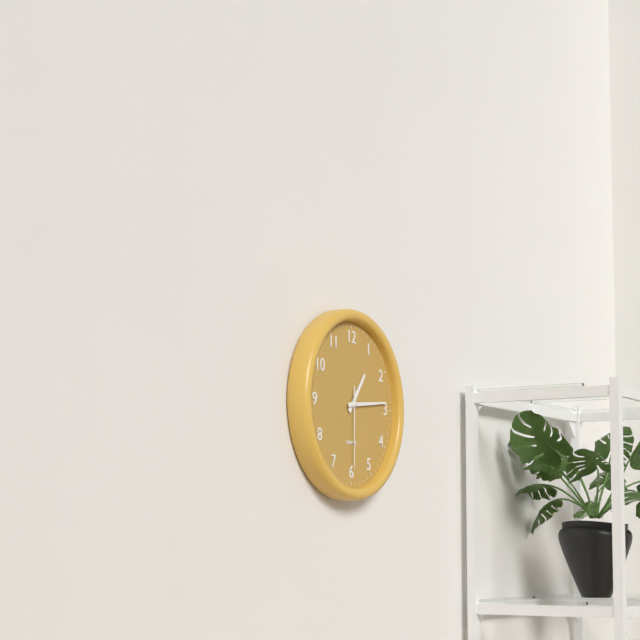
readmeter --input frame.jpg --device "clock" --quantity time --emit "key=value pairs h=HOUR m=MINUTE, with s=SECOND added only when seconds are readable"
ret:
h=1 m=14 s=30
